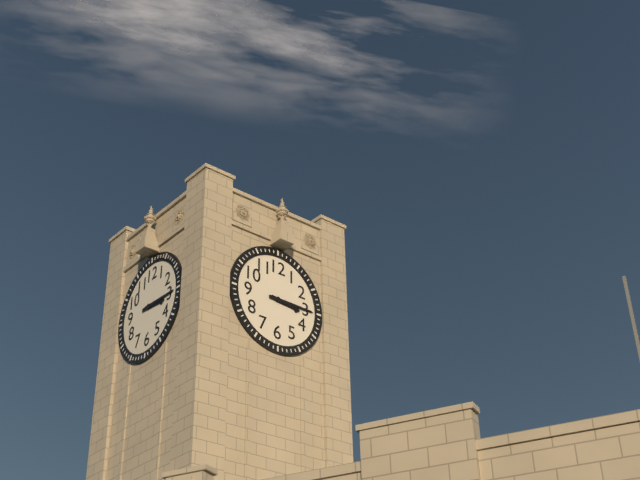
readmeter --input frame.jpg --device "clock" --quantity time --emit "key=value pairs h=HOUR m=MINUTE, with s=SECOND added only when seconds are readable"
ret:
h=3 m=15
